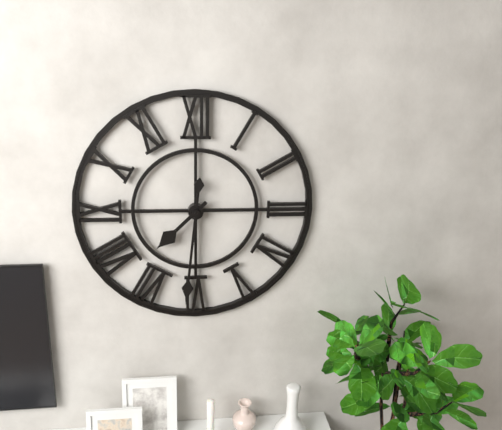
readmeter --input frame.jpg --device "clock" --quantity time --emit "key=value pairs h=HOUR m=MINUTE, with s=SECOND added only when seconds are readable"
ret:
h=7 m=31
